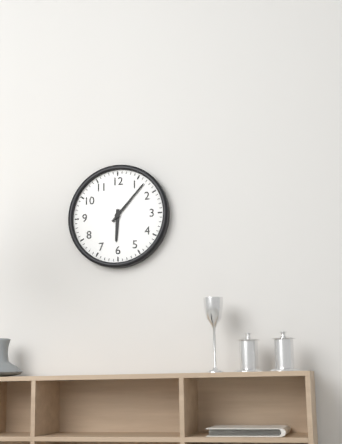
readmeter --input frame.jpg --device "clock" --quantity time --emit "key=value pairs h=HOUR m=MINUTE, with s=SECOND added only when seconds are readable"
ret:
h=6 m=7
